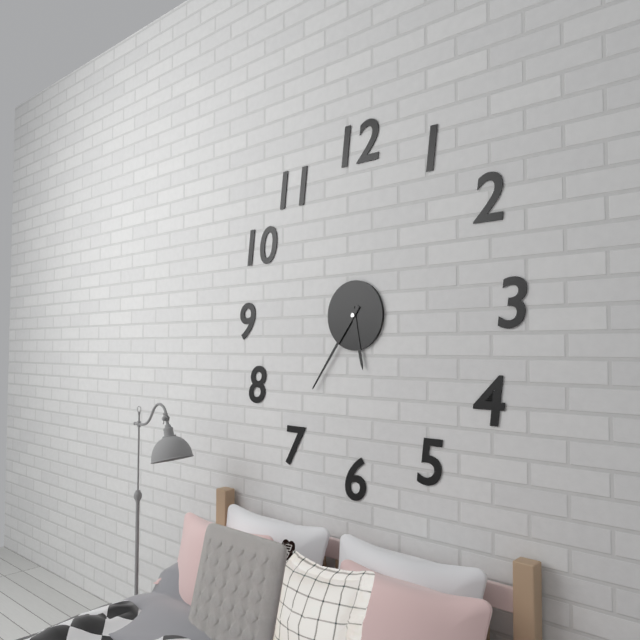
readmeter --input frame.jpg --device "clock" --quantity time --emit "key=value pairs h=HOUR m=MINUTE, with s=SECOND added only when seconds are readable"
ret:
h=5 m=36
